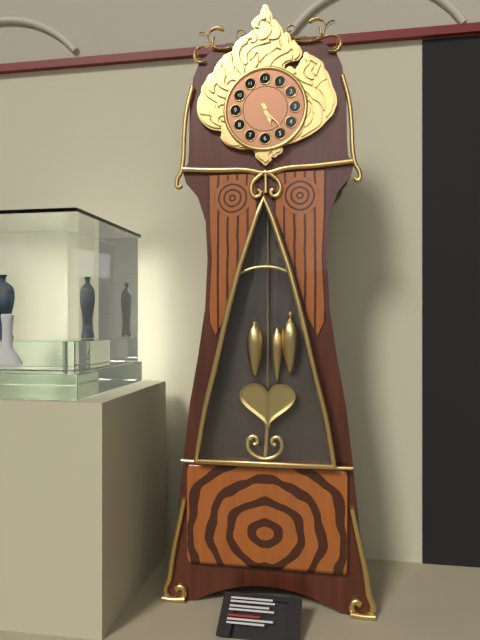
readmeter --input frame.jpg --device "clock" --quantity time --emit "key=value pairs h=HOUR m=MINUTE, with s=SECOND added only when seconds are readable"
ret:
h=5 m=24
